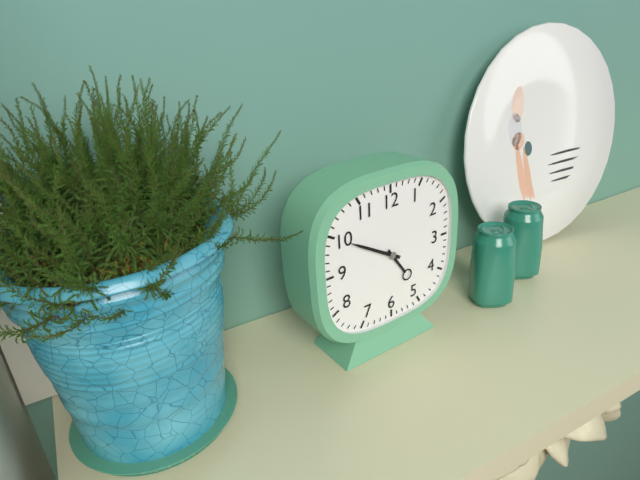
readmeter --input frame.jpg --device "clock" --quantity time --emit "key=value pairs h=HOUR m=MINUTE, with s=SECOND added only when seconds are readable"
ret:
h=4 m=50
